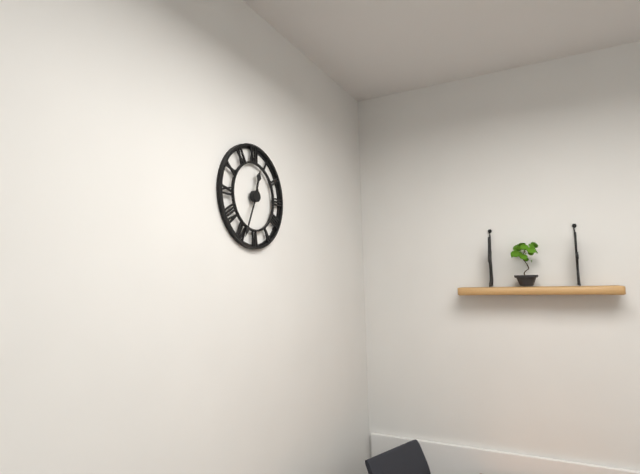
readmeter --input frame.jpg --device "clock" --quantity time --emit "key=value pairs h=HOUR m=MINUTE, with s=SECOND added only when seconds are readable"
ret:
h=12 m=34
